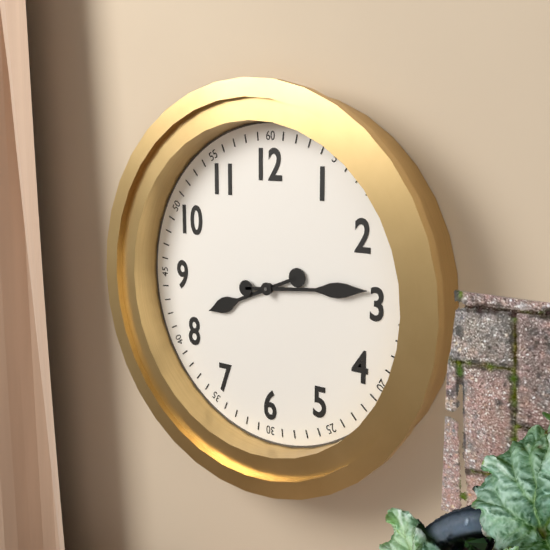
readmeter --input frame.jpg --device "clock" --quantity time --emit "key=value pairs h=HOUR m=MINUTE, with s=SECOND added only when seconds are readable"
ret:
h=8 m=14
